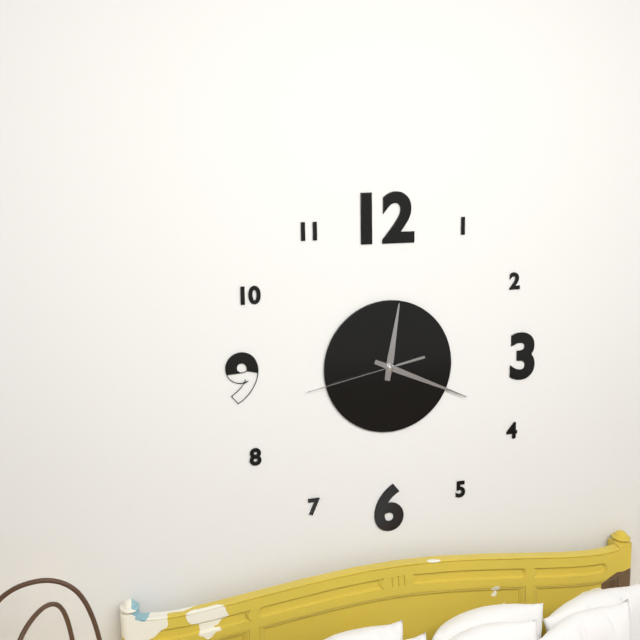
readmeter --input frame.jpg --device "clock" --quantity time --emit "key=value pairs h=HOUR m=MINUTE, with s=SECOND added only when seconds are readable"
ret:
h=12 m=19 s=43
